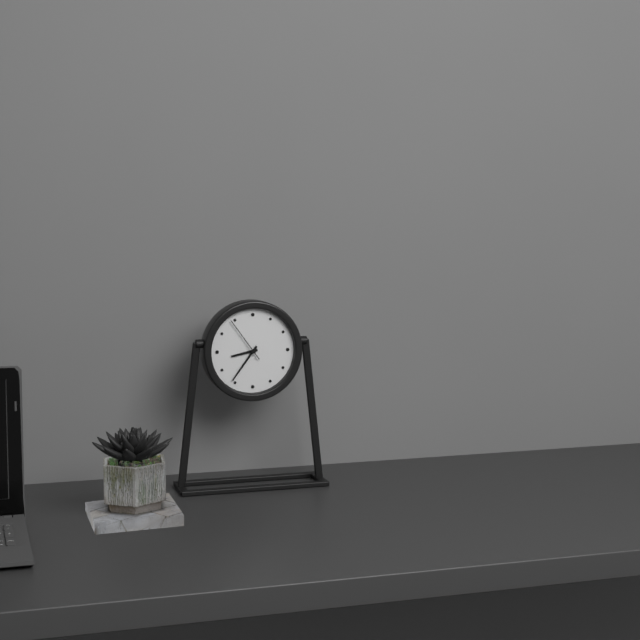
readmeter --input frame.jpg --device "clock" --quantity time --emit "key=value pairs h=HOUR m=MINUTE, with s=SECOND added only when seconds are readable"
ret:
h=8 m=36
